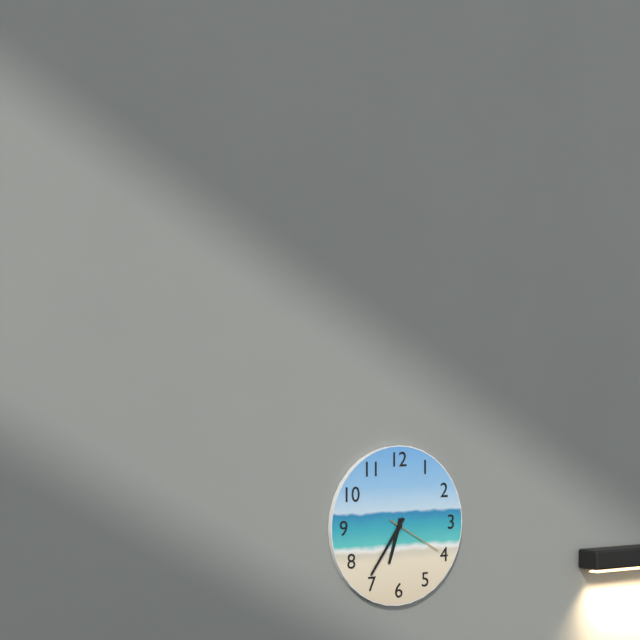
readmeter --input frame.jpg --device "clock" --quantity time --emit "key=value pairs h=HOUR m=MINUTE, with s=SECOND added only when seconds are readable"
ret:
h=6 m=36 s=20
